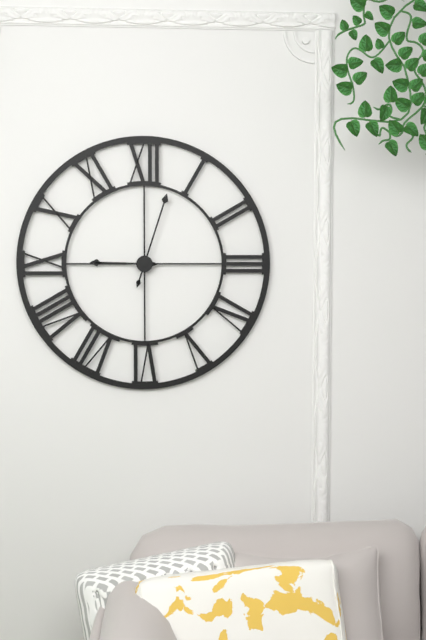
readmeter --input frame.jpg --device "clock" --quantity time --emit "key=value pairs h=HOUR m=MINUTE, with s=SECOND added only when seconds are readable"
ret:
h=9 m=3
